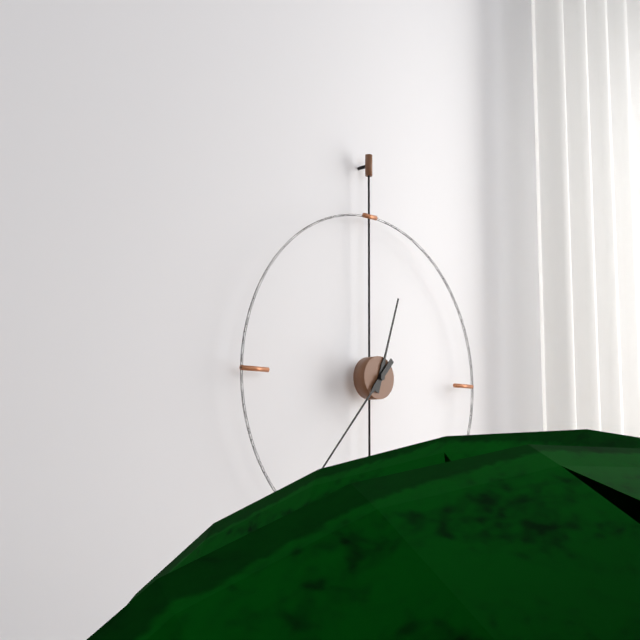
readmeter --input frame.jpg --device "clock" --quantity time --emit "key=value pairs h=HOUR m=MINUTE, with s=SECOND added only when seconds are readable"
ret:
h=12 m=37
